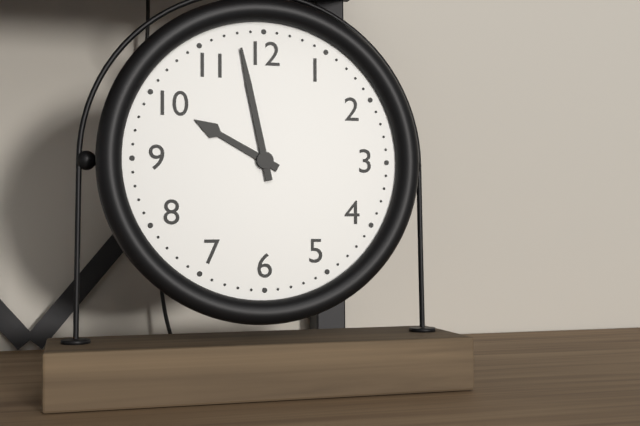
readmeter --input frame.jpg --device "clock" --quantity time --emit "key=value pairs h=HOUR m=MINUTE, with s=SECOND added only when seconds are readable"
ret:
h=9 m=58
